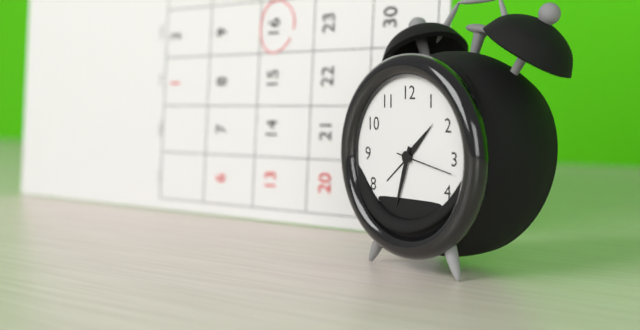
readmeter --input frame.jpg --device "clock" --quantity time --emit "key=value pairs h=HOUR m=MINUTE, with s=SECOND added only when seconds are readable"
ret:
h=1 m=33 s=17
